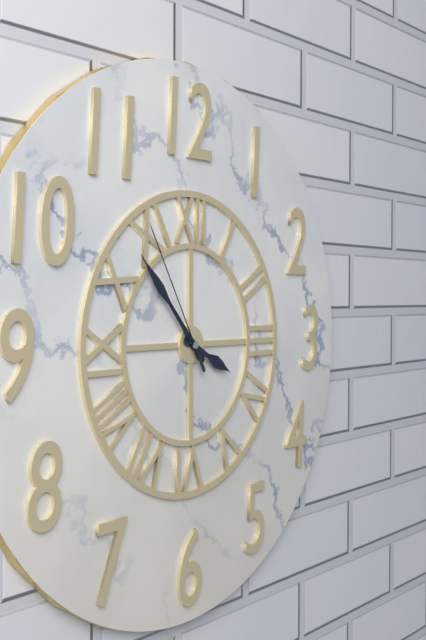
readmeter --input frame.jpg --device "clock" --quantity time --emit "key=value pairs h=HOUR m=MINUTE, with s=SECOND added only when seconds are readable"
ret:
h=3 m=53 s=55
